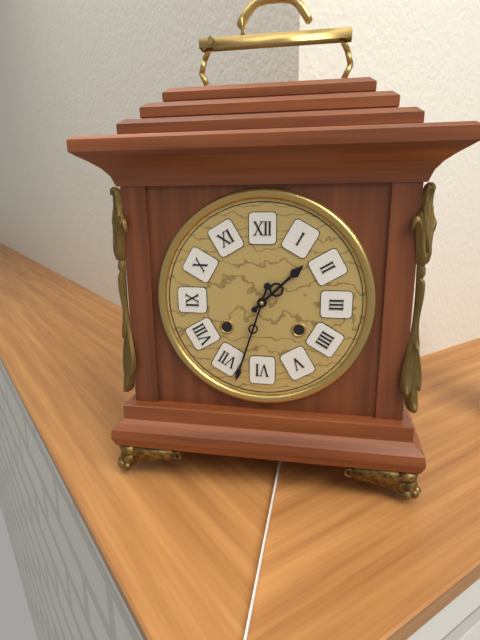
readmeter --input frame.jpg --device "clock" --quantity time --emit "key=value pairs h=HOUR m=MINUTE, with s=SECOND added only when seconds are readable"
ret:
h=1 m=33
